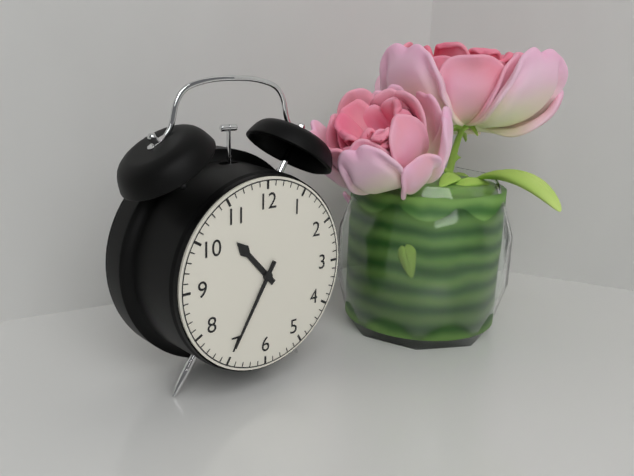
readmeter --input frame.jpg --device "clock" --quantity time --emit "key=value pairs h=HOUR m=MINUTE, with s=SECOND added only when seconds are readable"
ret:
h=10 m=35
